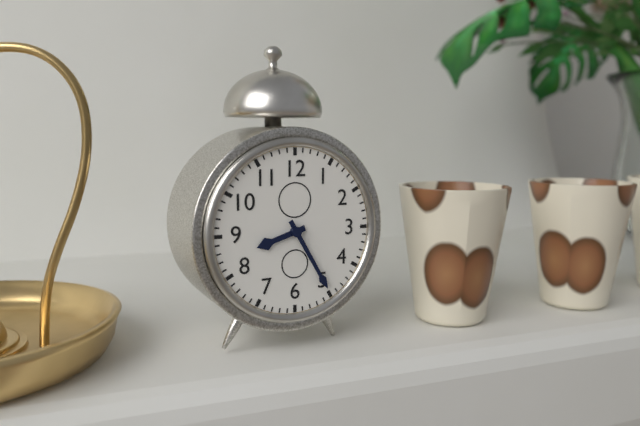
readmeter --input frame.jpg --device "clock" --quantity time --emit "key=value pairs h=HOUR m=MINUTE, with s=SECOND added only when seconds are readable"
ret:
h=8 m=25
